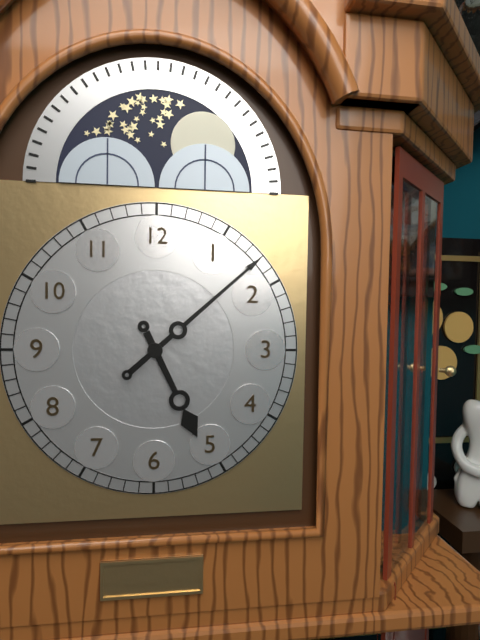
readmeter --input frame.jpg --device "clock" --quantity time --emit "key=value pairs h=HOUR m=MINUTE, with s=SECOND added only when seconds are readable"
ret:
h=5 m=8
